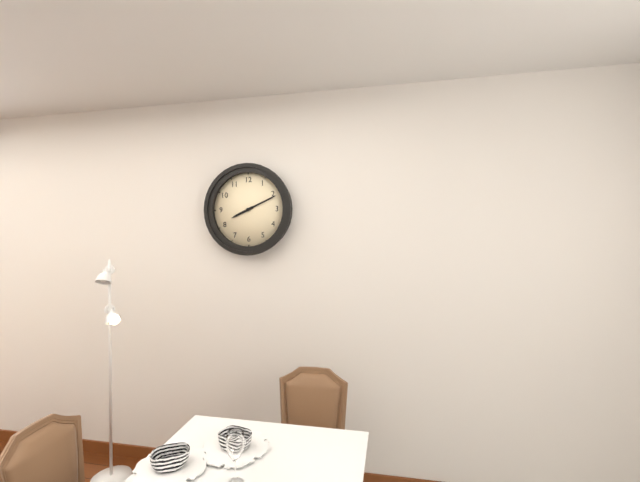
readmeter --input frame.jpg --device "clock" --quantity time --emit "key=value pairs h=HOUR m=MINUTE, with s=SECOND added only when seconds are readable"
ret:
h=8 m=11
